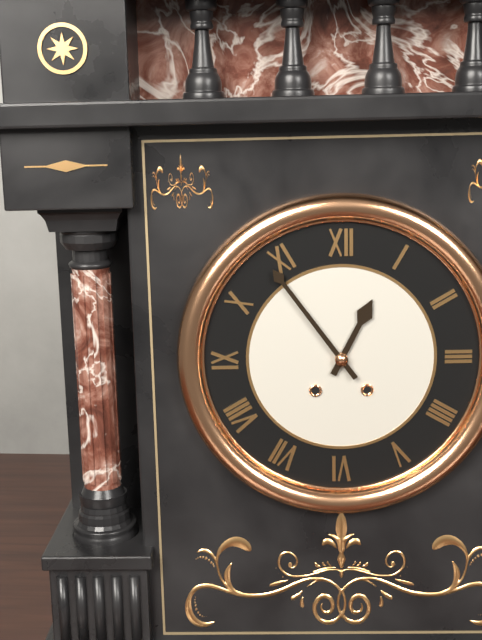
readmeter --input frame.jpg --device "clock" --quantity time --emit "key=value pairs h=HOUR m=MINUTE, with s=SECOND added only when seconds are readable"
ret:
h=12 m=54
